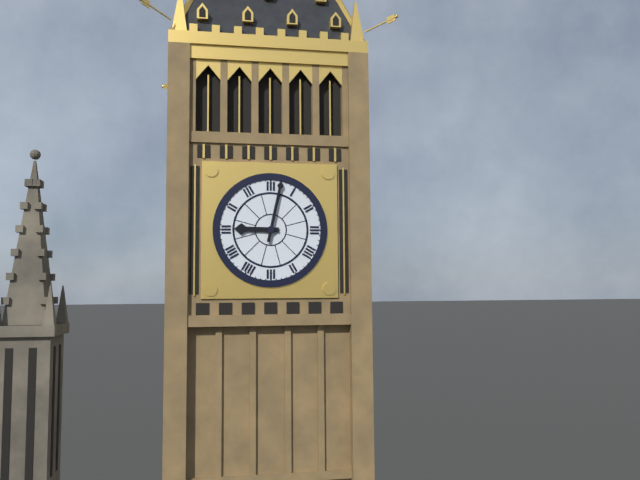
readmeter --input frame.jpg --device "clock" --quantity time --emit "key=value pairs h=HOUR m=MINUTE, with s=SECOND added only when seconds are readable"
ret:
h=9 m=2
